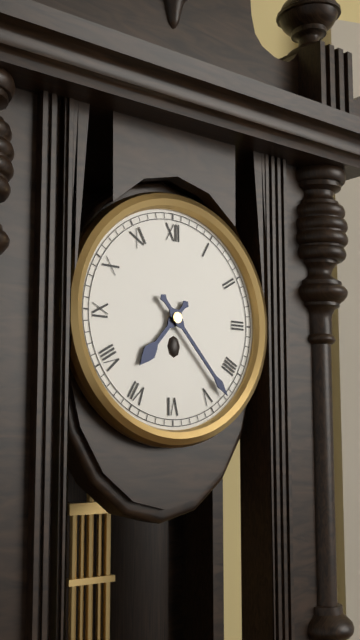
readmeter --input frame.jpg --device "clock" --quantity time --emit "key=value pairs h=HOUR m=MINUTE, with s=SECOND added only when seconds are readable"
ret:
h=7 m=23
